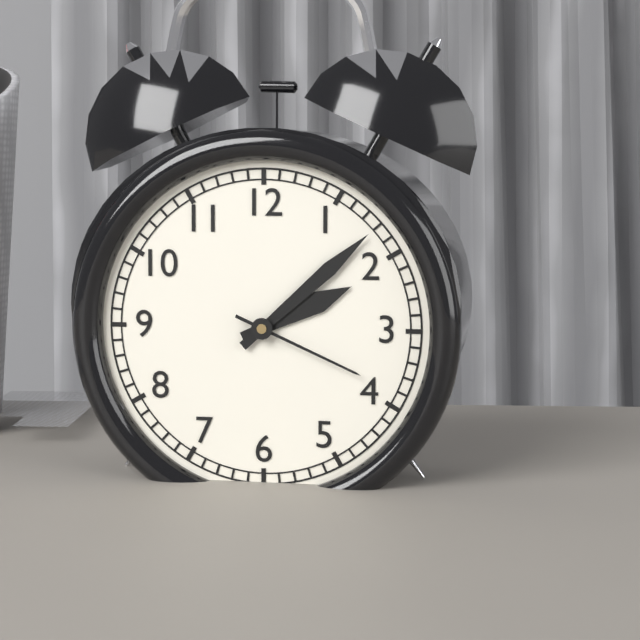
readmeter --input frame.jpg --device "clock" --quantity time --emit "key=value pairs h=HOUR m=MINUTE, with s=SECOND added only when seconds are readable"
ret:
h=2 m=8 s=19
